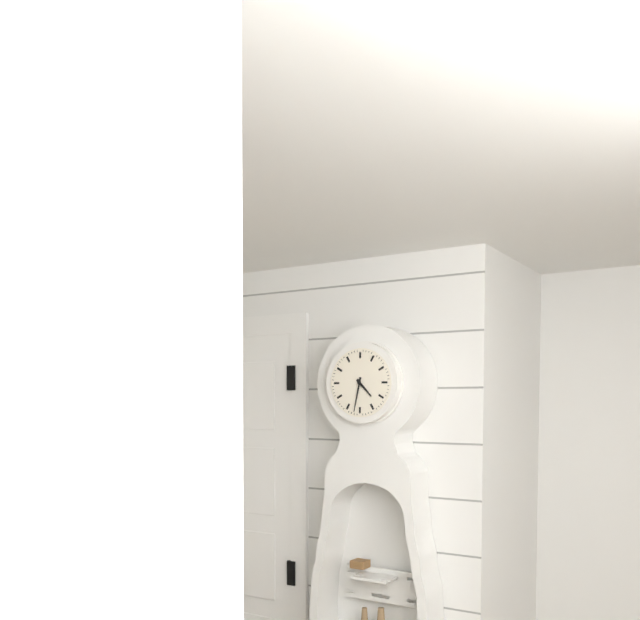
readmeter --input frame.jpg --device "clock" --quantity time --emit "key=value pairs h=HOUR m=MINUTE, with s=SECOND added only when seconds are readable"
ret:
h=4 m=32
